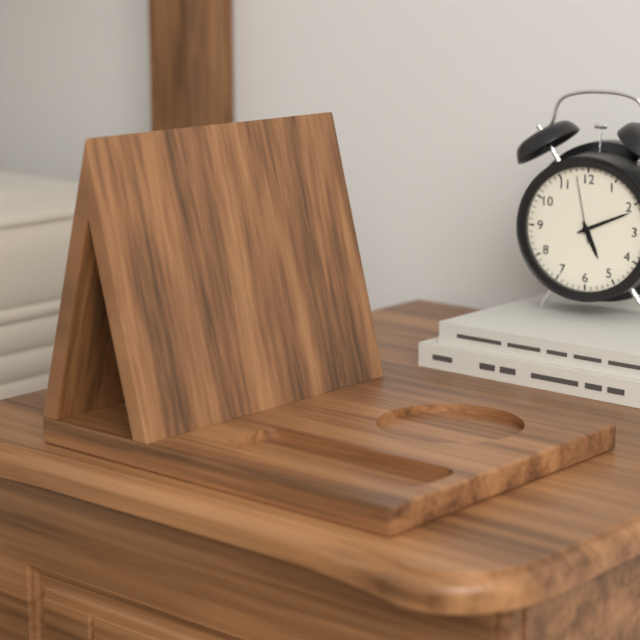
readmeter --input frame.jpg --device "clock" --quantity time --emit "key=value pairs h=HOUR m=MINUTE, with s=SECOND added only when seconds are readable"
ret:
h=5 m=11 s=58
